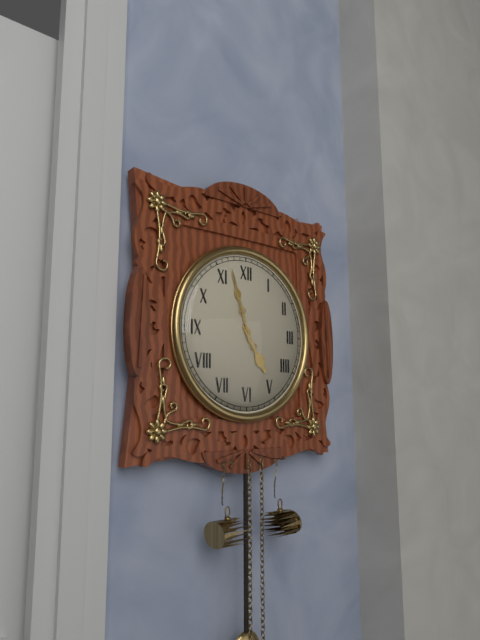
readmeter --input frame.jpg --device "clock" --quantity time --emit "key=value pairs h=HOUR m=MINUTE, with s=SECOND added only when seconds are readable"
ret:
h=4 m=57
